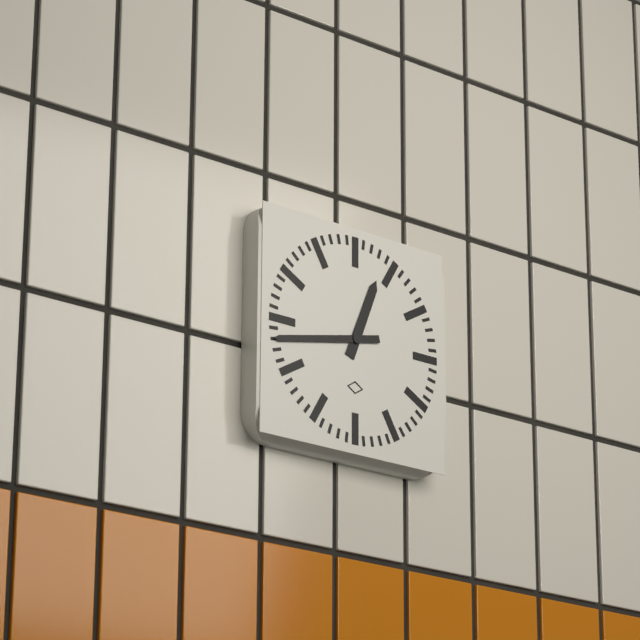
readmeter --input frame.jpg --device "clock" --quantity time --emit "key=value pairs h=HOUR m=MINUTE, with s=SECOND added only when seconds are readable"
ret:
h=12 m=43
